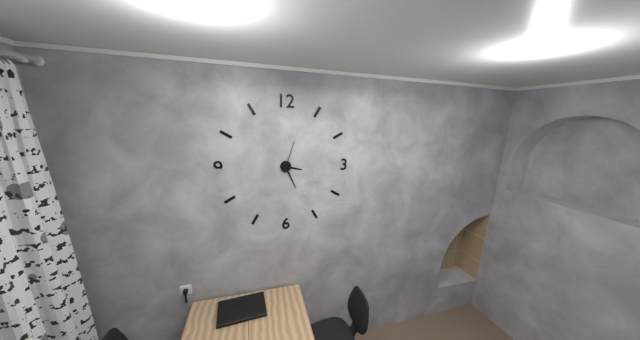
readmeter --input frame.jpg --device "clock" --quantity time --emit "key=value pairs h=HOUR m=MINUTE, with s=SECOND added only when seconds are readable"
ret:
h=3 m=26
